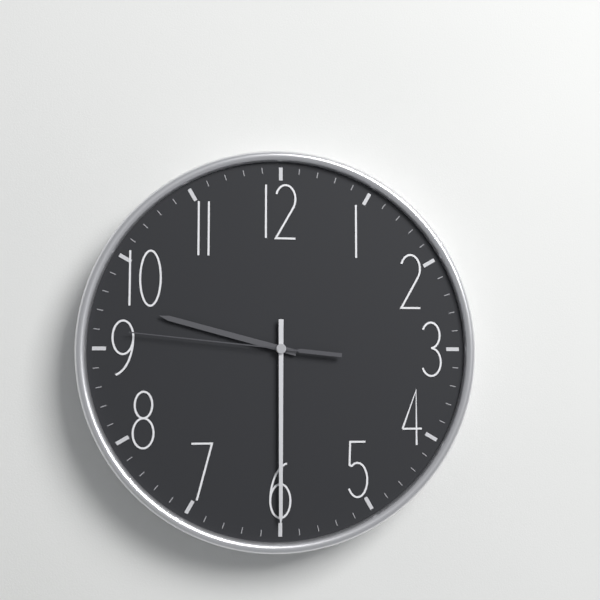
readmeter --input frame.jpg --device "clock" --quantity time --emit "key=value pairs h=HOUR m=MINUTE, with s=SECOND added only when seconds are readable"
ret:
h=9 m=30 s=46
